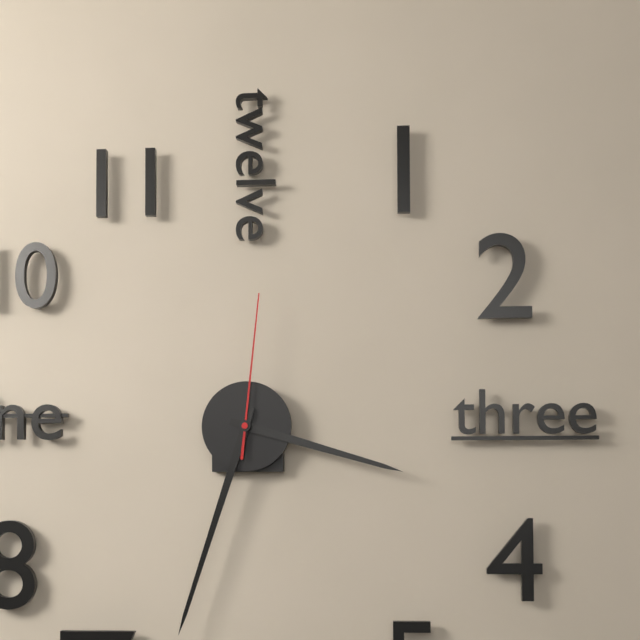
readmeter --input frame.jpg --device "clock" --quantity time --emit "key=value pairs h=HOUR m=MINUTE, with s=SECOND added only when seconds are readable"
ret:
h=3 m=33 s=1
